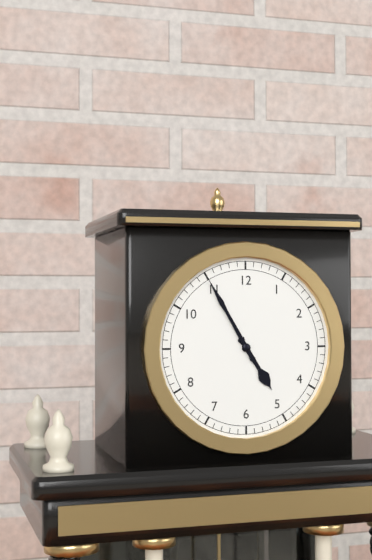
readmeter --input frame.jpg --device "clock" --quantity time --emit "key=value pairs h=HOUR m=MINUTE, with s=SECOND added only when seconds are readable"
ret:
h=4 m=55
